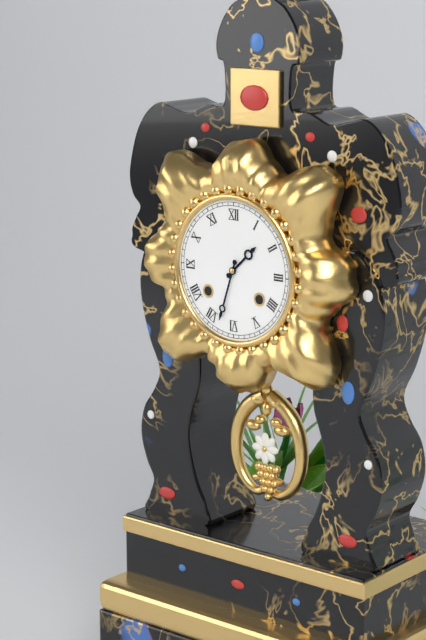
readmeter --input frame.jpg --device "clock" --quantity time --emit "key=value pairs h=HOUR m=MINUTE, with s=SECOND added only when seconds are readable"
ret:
h=1 m=33
